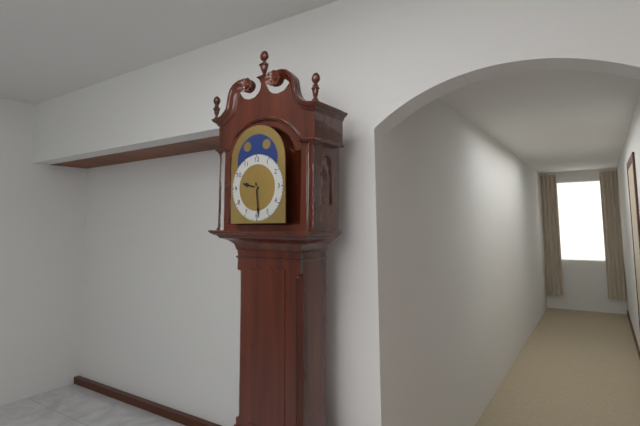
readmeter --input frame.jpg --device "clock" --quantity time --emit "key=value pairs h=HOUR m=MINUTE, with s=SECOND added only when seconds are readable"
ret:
h=9 m=29
